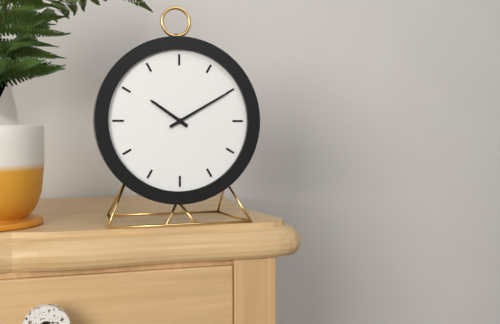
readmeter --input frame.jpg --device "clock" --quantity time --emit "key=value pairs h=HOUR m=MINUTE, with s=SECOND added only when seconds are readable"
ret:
h=10 m=10
